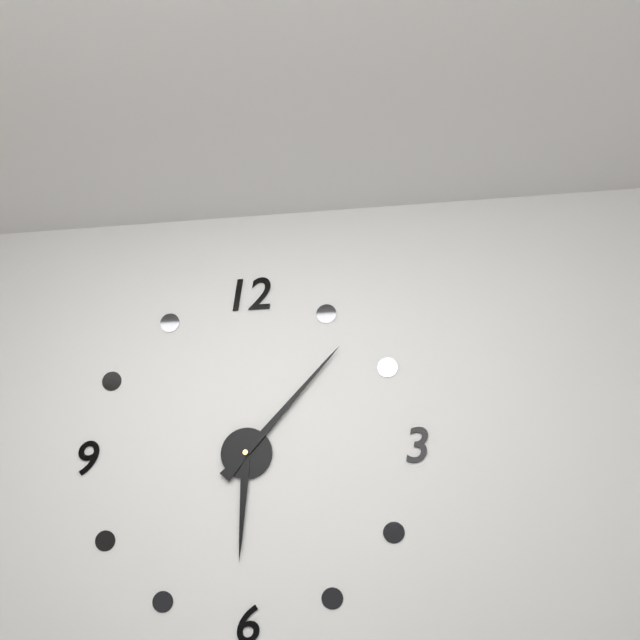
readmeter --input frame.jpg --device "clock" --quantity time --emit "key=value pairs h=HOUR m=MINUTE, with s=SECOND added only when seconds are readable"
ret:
h=6 m=7
